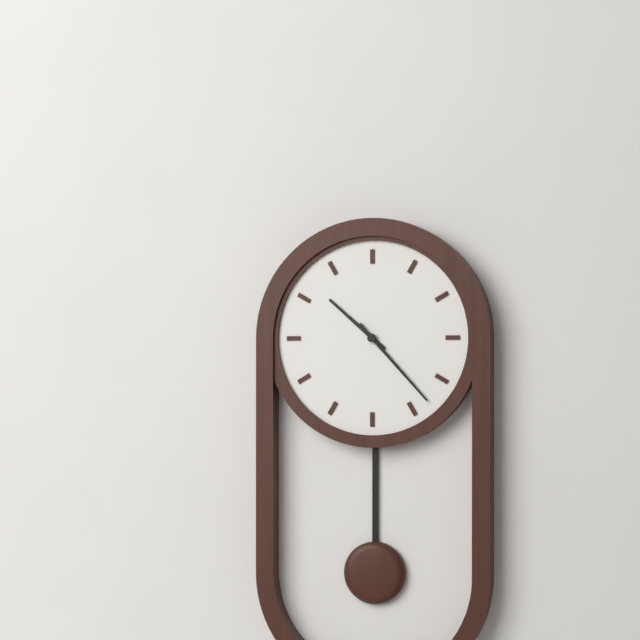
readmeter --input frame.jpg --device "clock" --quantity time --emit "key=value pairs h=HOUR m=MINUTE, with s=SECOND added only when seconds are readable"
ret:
h=10 m=23
